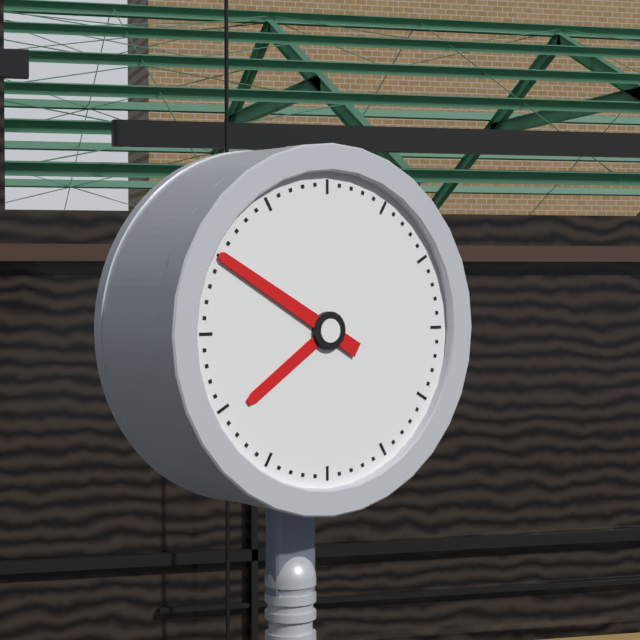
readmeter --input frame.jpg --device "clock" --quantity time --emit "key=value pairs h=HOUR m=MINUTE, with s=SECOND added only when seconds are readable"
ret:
h=7 m=50
